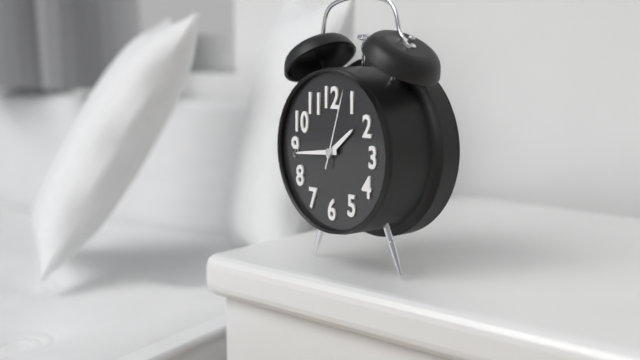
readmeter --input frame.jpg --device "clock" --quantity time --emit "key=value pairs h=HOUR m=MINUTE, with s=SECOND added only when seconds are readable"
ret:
h=1 m=44 s=3
